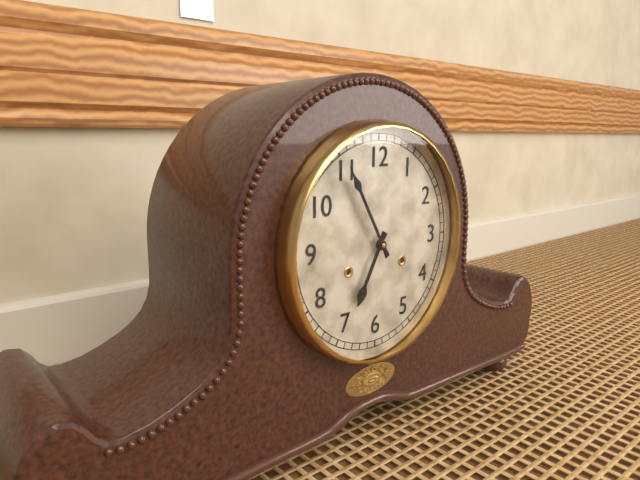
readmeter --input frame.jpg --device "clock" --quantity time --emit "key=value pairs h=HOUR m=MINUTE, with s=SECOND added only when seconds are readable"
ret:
h=6 m=55
